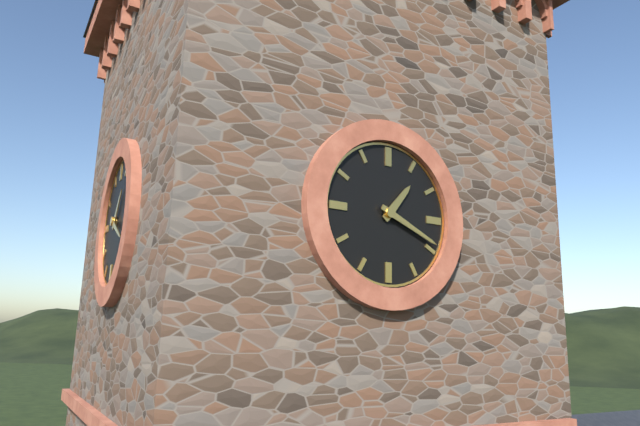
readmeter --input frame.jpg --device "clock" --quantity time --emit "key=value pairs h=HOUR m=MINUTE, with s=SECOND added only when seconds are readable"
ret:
h=1 m=19
